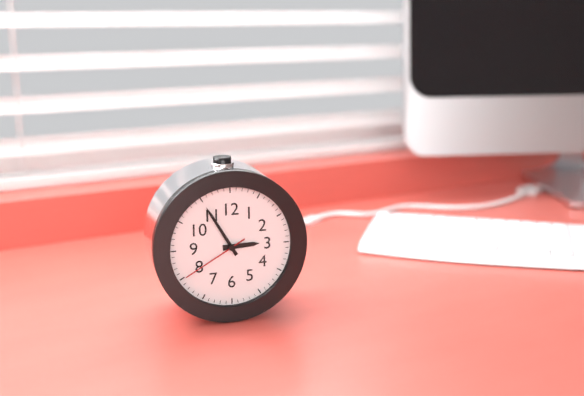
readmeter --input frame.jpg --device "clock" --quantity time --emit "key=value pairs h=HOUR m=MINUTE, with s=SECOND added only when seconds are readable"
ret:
h=2 m=55 s=40
